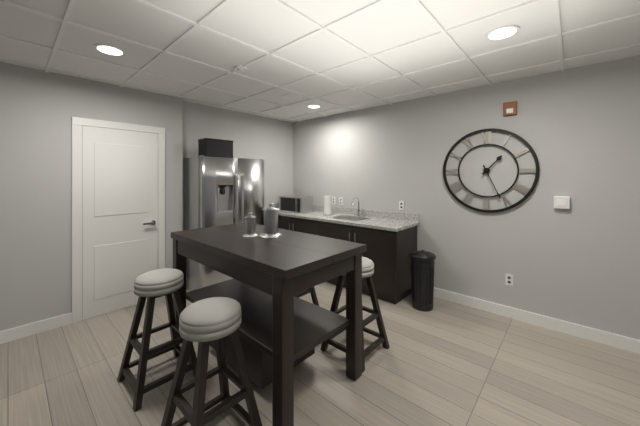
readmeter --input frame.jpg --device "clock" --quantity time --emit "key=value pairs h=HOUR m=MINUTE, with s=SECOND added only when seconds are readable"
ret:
h=1 m=26
